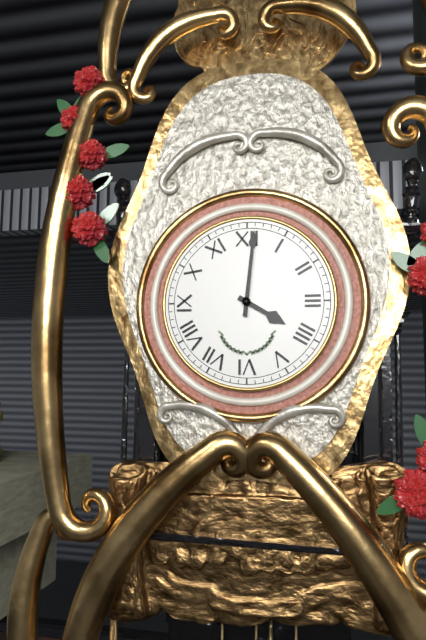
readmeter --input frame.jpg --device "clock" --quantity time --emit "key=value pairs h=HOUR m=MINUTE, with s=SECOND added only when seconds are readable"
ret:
h=4 m=1
